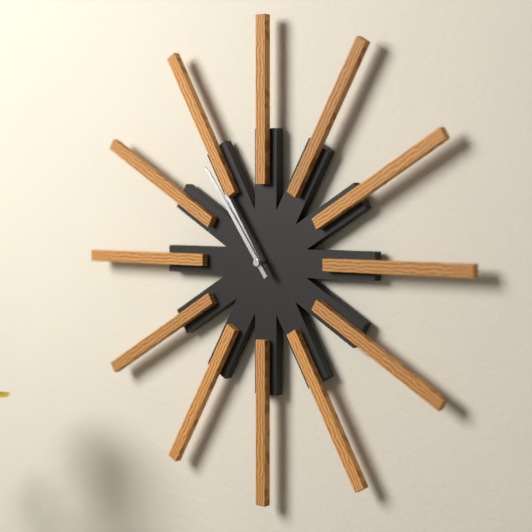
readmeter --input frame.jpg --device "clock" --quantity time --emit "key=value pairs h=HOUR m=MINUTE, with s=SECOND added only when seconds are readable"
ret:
h=10 m=54
